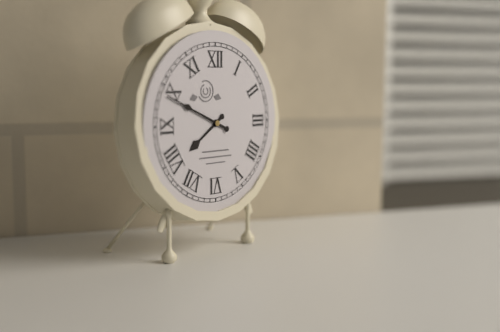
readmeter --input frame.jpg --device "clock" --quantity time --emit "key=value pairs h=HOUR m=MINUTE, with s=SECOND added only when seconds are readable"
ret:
h=7 m=49
